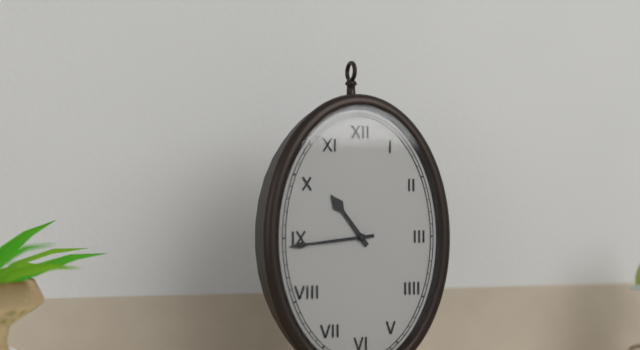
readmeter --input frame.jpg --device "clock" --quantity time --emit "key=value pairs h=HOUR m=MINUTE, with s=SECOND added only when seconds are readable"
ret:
h=10 m=44
